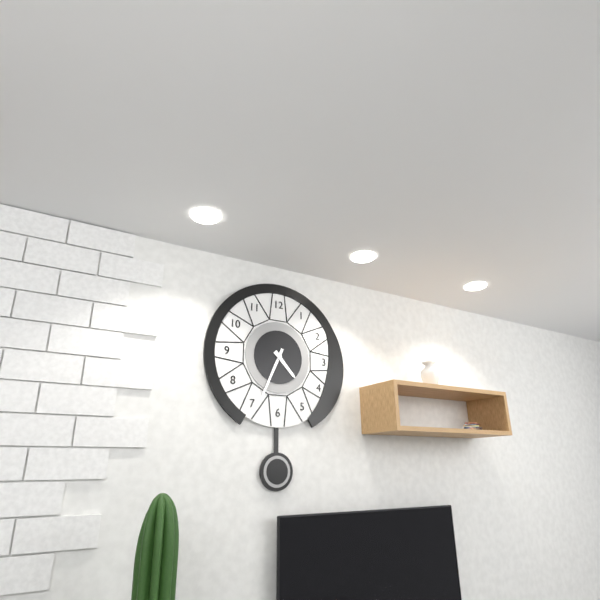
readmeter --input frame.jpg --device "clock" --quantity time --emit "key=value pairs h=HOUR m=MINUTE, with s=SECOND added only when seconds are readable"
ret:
h=4 m=34
